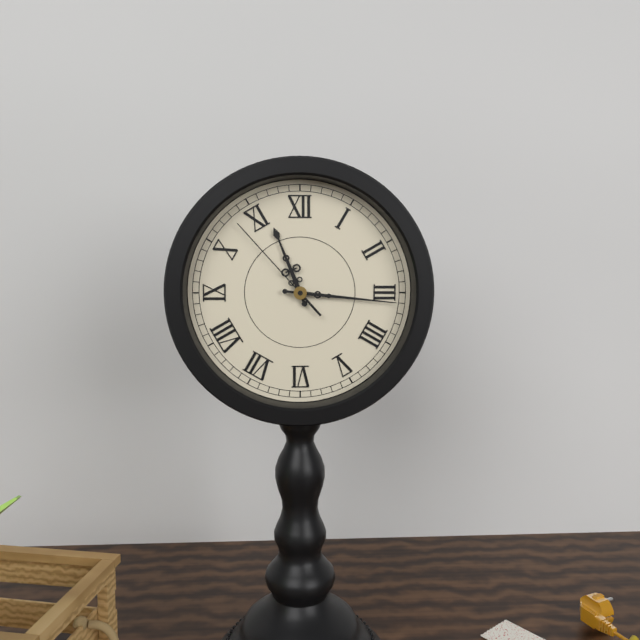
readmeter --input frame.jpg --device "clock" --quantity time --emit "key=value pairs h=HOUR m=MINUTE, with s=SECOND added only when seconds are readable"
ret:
h=11 m=16 s=53
